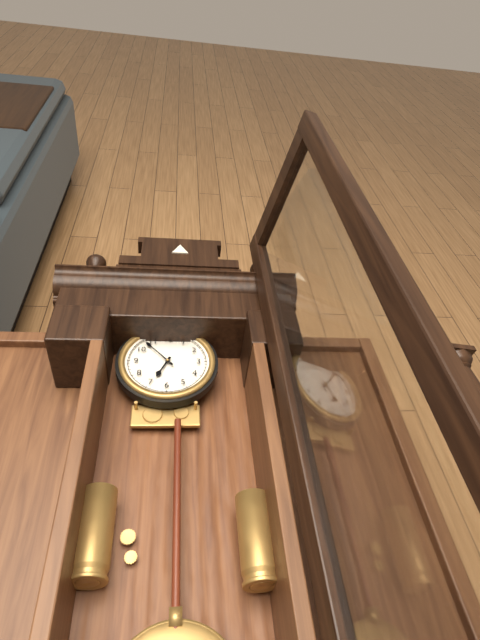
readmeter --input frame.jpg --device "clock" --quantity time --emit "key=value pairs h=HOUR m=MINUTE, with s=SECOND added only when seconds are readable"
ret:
h=6 m=53
